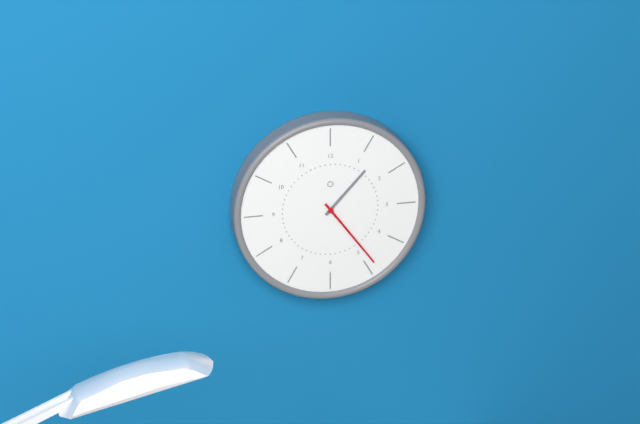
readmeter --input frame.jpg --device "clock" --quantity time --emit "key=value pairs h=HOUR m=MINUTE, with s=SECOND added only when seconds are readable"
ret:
h=1 m=24
